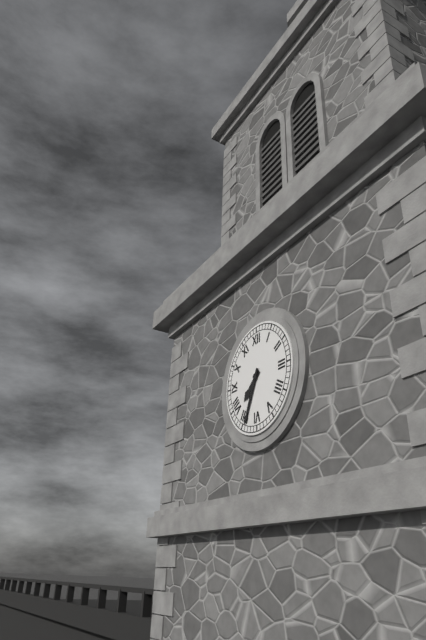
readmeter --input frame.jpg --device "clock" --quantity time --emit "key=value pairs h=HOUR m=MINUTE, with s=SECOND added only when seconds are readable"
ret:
h=7 m=34
